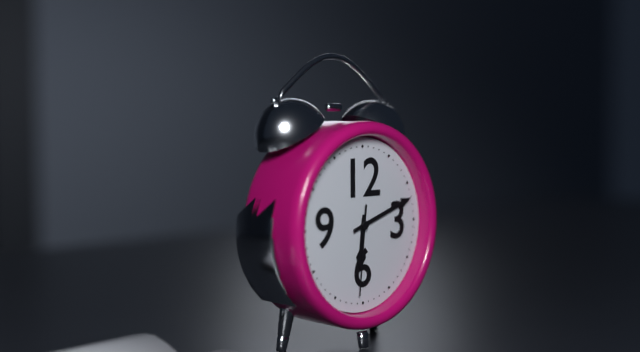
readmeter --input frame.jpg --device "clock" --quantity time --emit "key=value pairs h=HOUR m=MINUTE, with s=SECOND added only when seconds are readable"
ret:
h=6 m=12 s=31
